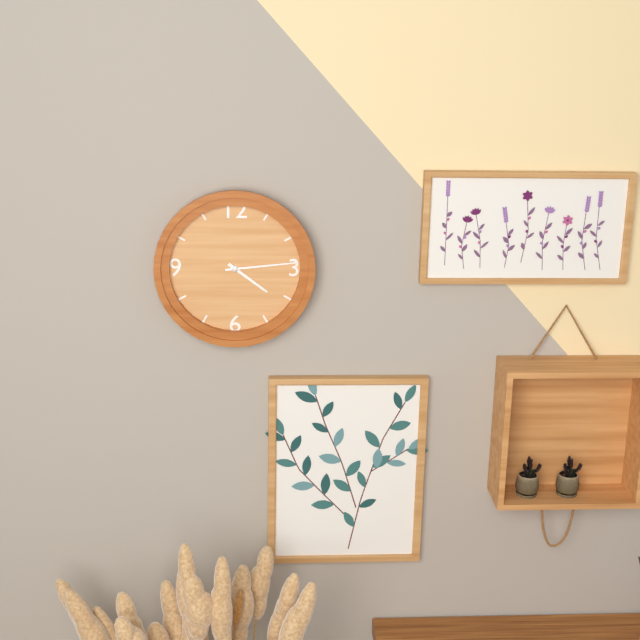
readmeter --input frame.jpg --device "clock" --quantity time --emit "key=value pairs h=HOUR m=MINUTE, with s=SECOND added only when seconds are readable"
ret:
h=4 m=14
